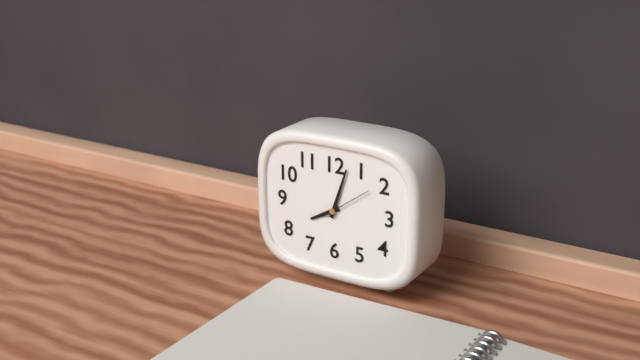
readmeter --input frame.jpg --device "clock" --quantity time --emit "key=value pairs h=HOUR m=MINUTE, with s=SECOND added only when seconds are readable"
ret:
h=8 m=3 s=9
